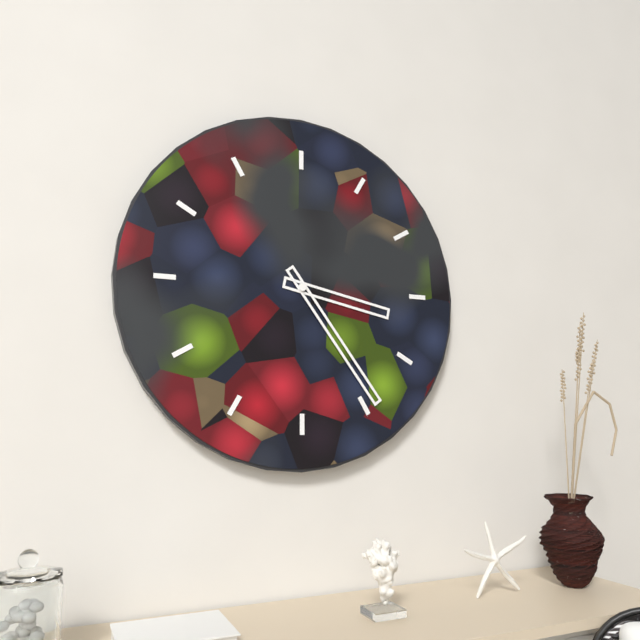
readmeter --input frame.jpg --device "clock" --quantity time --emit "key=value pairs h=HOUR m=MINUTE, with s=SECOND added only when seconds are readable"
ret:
h=3 m=24
